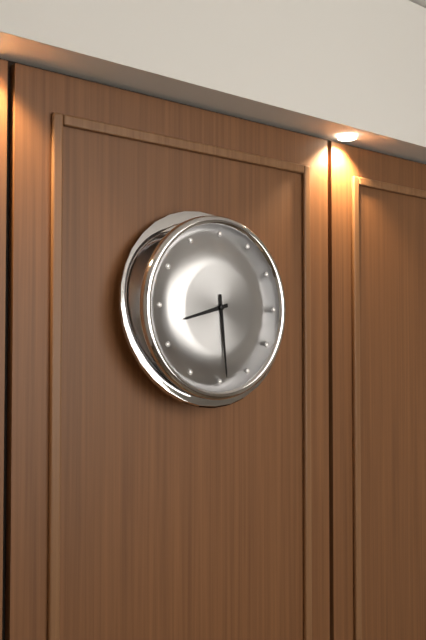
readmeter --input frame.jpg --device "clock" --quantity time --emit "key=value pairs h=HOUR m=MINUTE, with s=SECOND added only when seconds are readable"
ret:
h=8 m=29
